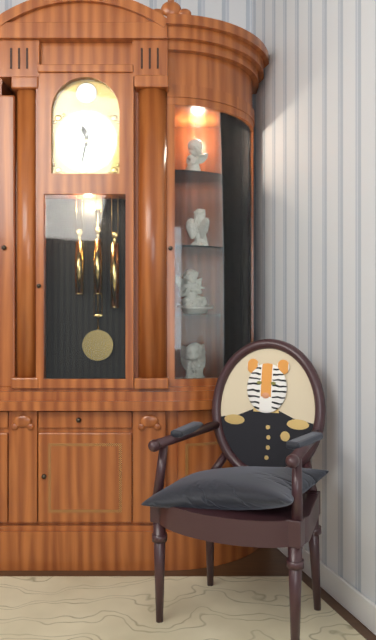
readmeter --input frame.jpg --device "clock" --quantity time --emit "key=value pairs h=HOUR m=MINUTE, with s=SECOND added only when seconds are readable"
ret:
h=11 m=32
